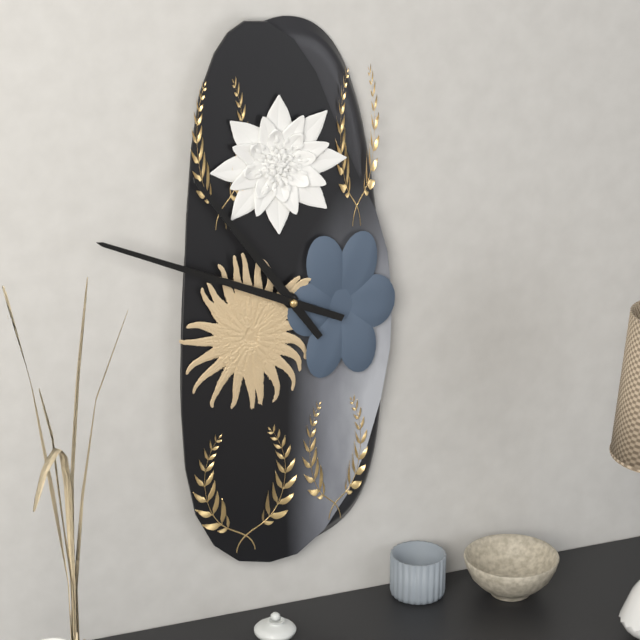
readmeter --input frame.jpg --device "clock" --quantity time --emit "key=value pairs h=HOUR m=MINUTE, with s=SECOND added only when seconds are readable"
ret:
h=10 m=49
